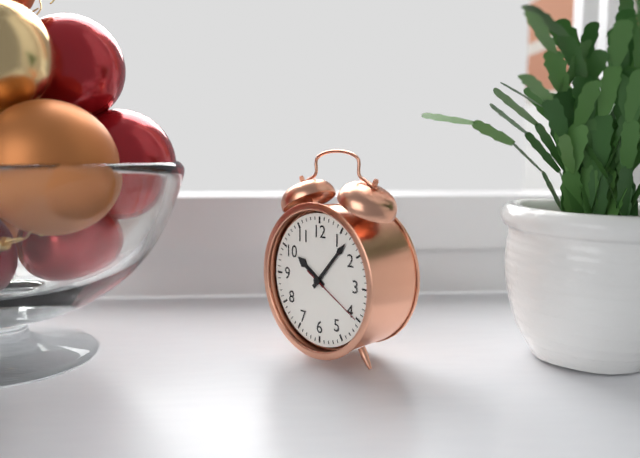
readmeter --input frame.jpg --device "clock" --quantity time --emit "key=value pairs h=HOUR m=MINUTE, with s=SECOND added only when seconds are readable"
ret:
h=10 m=7 s=20
